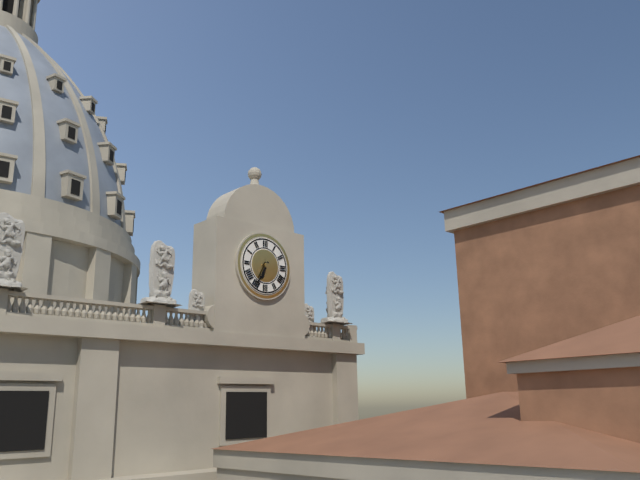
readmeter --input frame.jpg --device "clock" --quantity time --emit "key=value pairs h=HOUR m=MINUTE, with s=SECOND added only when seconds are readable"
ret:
h=6 m=35
